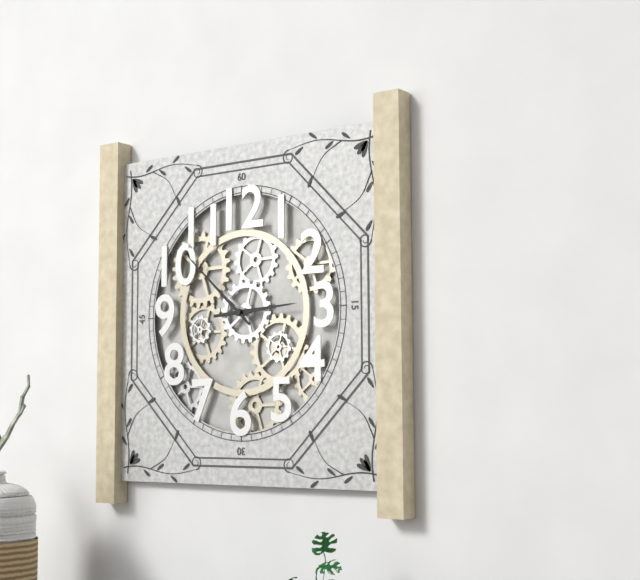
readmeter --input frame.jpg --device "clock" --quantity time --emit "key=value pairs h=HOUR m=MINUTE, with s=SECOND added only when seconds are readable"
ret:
h=2 m=52
